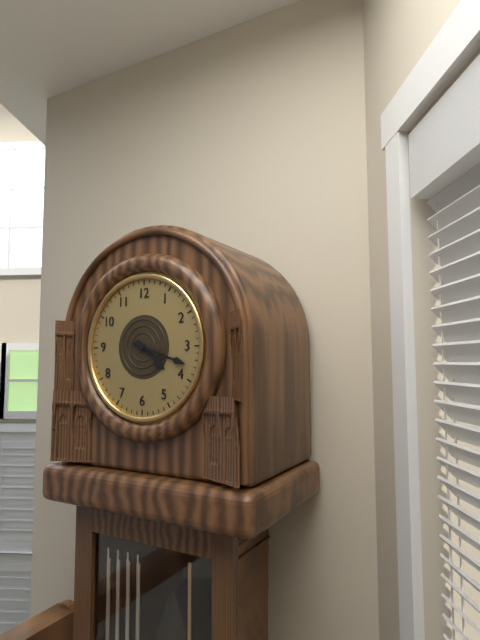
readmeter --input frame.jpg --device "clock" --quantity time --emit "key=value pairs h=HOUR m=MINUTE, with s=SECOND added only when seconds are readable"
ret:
h=4 m=18
